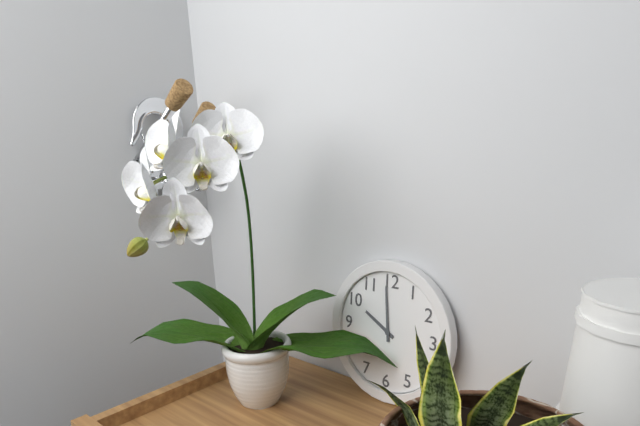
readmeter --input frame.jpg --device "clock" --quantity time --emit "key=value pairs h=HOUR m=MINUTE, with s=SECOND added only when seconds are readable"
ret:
h=9 m=59
